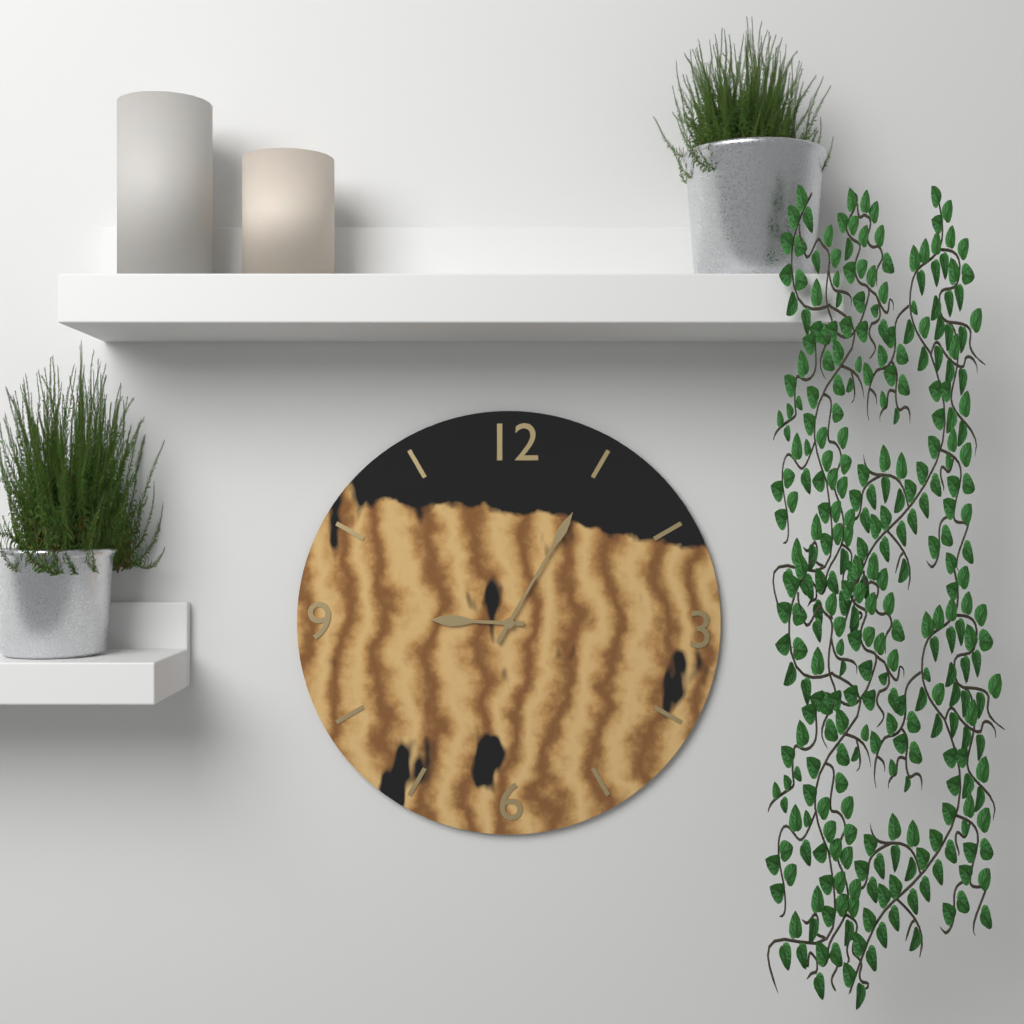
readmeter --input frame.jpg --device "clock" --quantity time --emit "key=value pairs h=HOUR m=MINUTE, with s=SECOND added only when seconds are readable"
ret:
h=9 m=5
